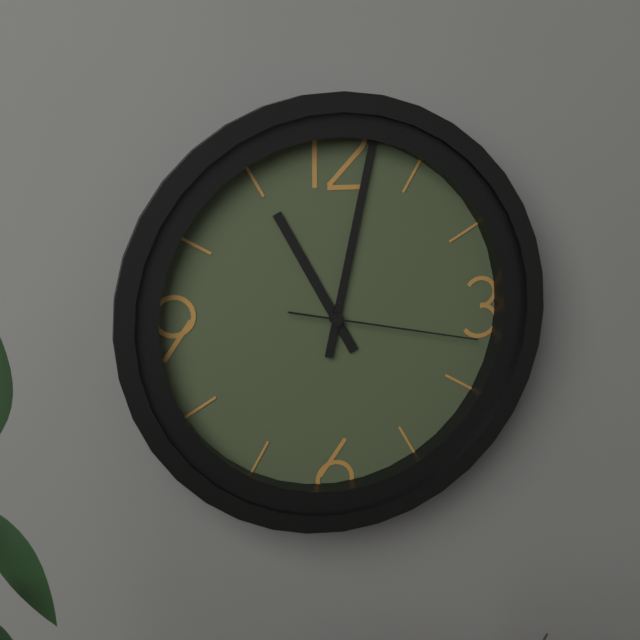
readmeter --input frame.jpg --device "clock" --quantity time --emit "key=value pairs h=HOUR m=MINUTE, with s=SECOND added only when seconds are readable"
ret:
h=11 m=2 s=17
